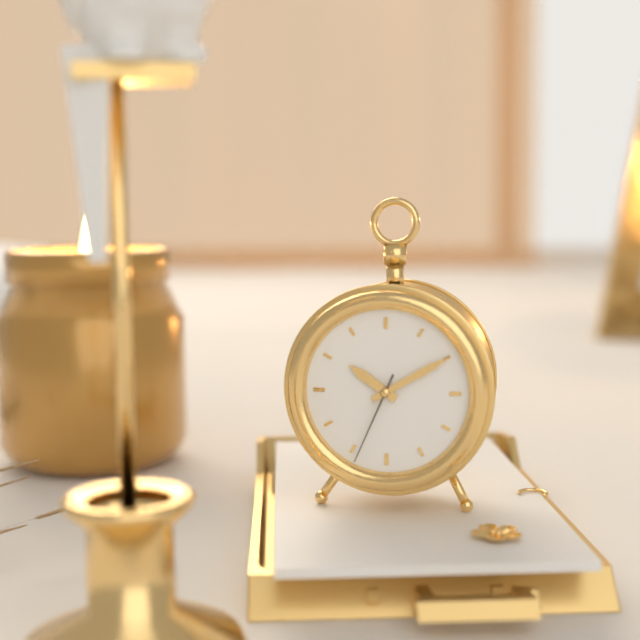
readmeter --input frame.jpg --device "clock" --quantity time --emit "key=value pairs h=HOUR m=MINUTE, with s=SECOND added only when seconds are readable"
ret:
h=10 m=10 s=34
